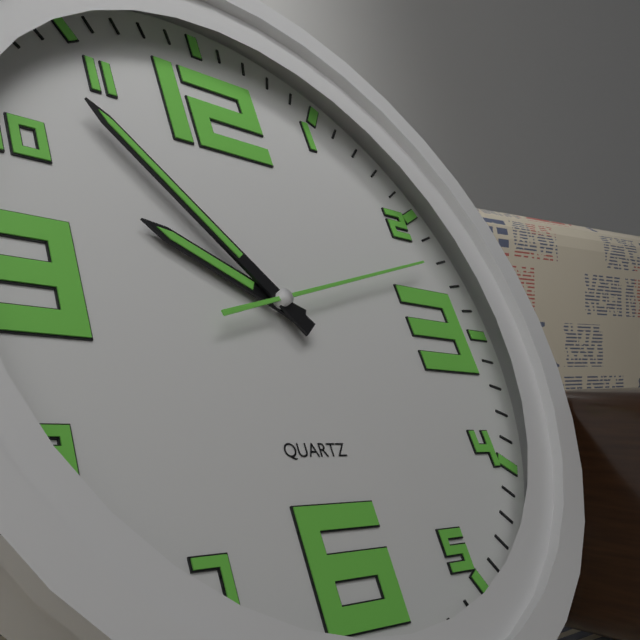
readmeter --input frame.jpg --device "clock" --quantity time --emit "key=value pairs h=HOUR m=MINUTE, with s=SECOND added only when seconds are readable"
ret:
h=9 m=53 s=12
